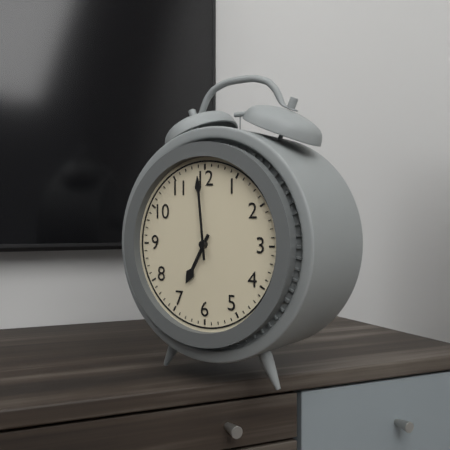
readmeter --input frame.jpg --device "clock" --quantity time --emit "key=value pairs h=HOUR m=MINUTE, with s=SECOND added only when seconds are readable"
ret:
h=6 m=59
